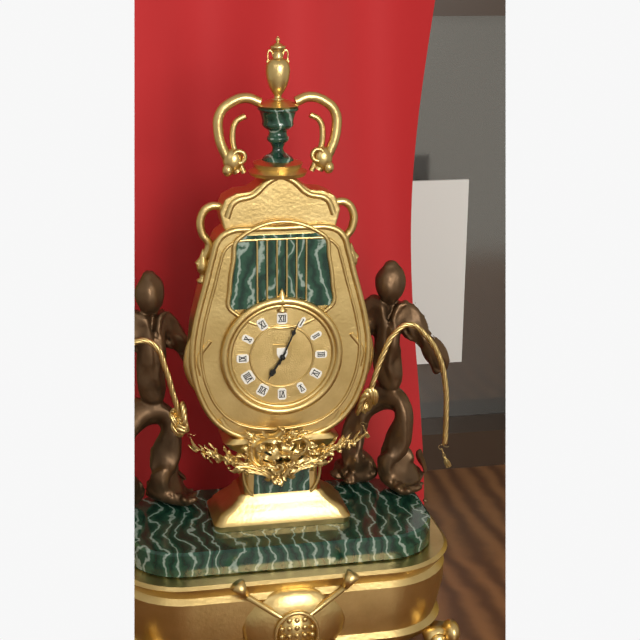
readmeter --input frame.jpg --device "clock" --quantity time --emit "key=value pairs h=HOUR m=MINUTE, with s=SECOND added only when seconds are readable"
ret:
h=7 m=4
